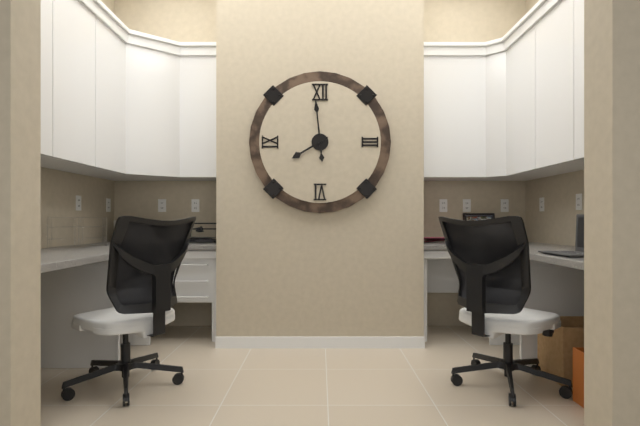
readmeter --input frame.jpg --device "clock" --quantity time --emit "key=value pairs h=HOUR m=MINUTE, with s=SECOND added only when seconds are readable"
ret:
h=7 m=59
